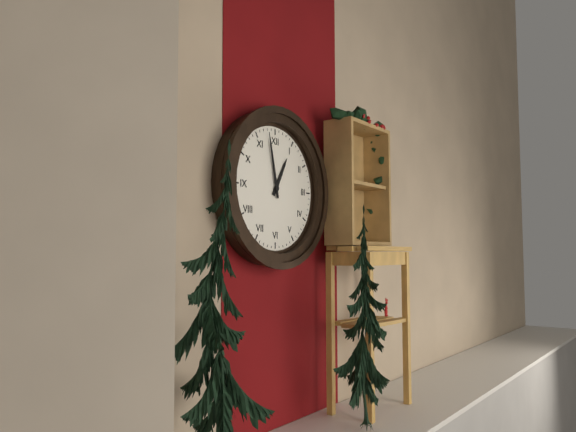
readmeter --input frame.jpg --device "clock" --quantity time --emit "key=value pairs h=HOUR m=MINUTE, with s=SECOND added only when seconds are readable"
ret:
h=12 m=58
